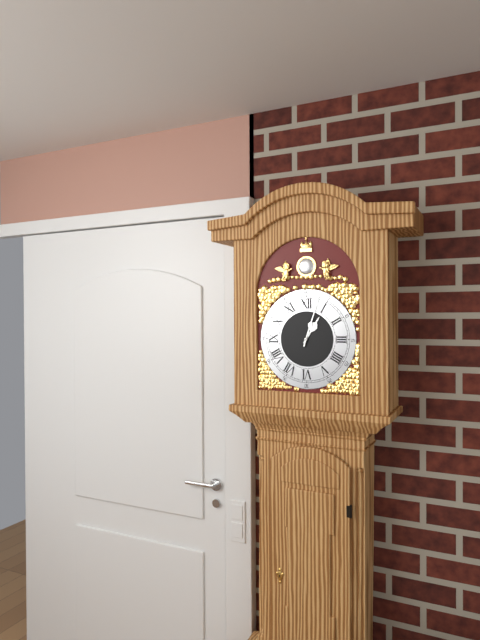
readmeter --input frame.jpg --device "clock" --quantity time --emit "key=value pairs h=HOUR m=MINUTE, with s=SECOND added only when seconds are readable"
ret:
h=1 m=3
